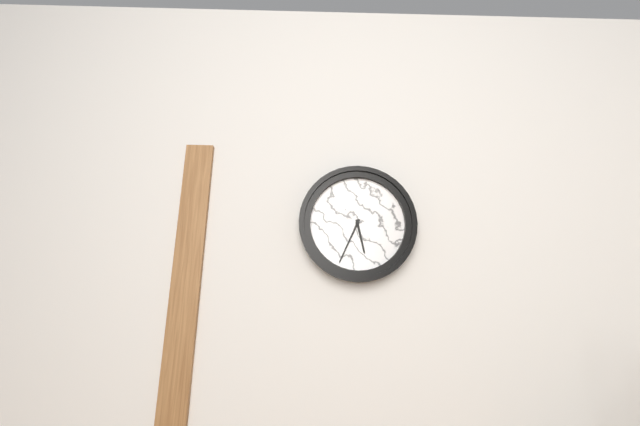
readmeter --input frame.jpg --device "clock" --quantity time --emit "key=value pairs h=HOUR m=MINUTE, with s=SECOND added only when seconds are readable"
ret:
h=5 m=34
